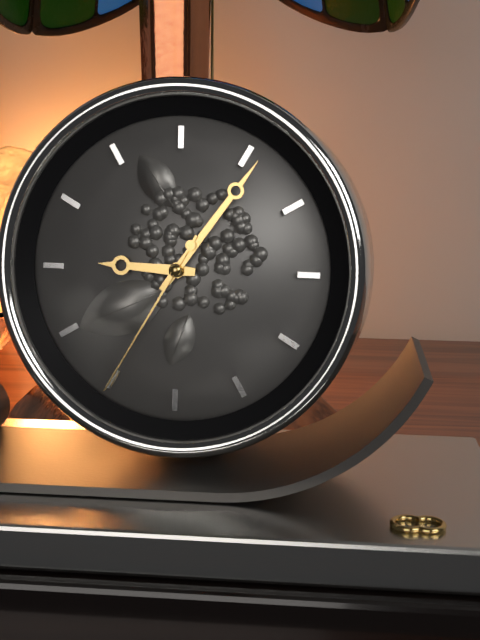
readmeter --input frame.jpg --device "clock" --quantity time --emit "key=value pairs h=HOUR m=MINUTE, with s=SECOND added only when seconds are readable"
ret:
h=9 m=6 s=35
